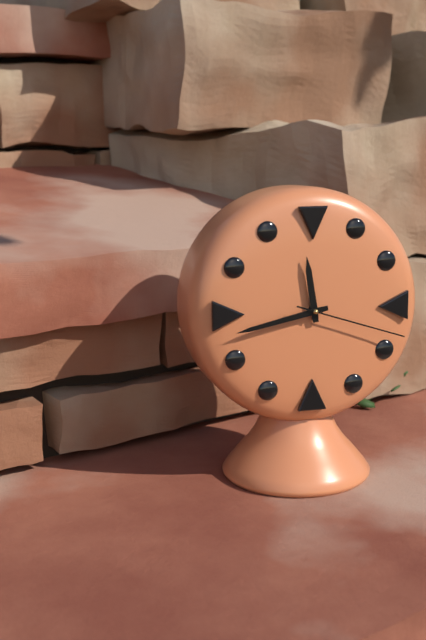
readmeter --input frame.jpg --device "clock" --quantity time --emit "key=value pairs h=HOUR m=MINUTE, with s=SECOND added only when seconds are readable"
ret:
h=11 m=43 s=18
